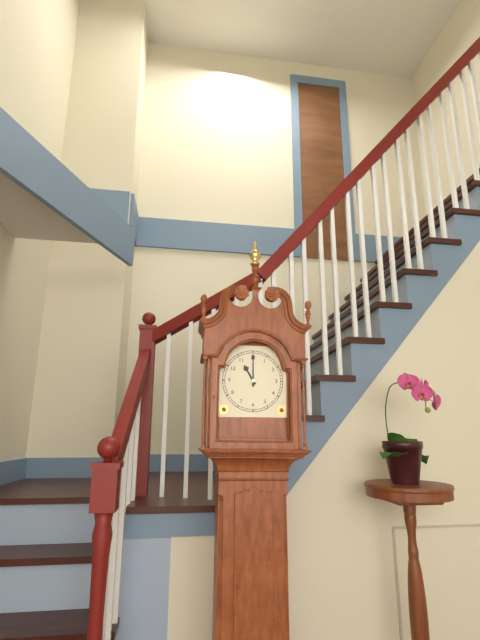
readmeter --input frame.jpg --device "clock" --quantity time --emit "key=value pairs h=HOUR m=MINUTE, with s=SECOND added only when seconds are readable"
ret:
h=11 m=0
